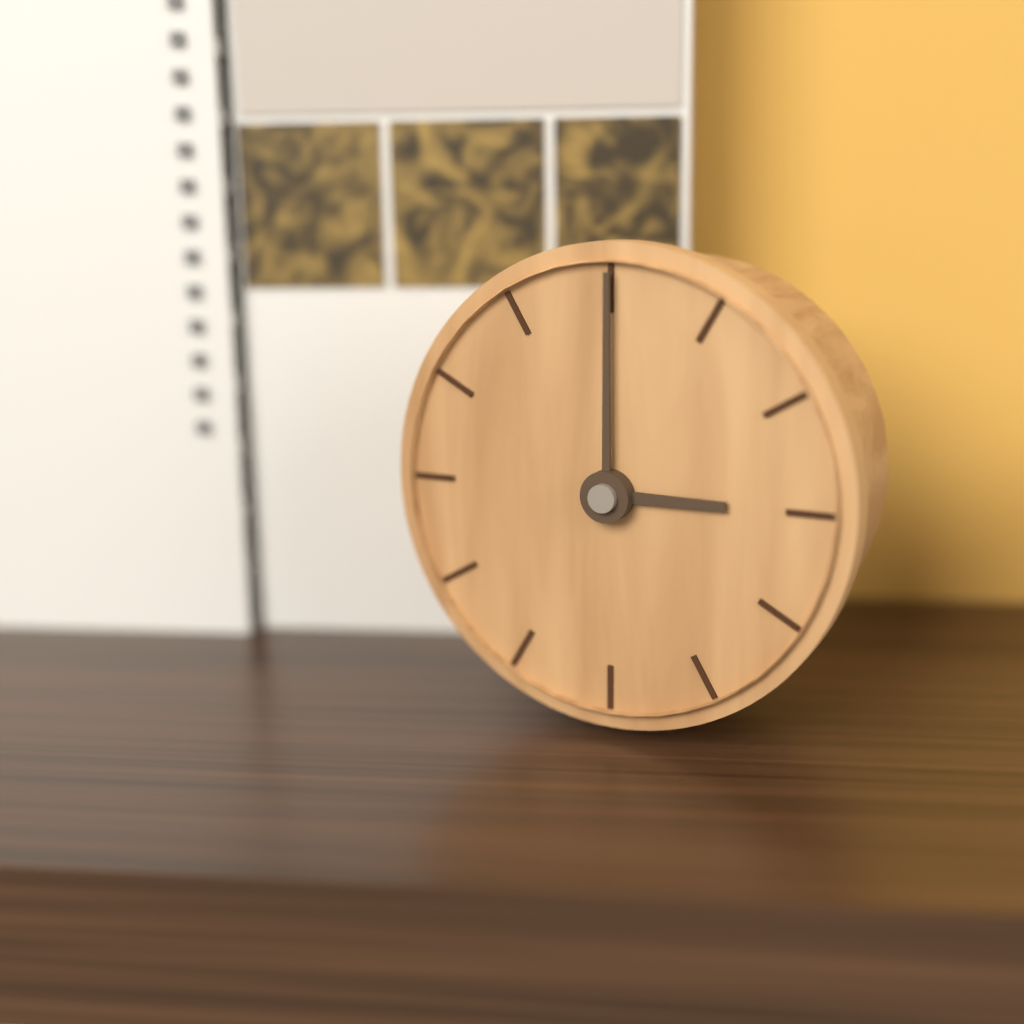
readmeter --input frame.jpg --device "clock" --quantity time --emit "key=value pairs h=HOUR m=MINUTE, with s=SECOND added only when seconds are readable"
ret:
h=3 m=0
